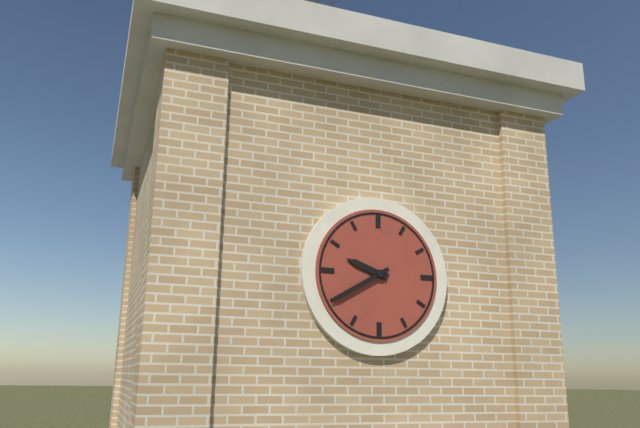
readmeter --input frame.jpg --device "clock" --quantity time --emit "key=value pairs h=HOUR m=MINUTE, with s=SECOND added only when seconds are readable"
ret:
h=9 m=40
